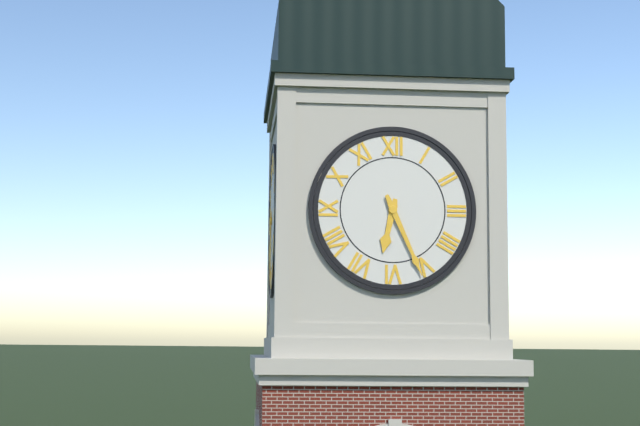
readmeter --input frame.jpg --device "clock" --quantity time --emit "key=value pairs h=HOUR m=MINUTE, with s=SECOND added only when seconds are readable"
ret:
h=6 m=26
